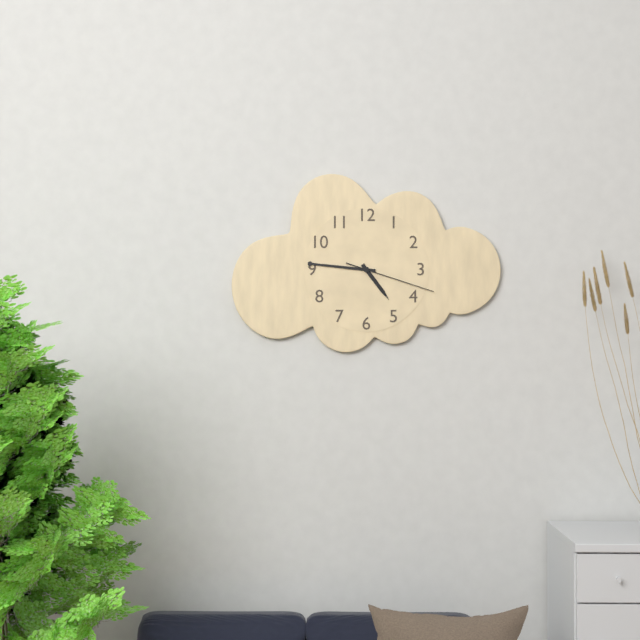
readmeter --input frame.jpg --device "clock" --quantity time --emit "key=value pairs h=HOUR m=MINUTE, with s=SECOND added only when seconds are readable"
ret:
h=4 m=46 s=18
